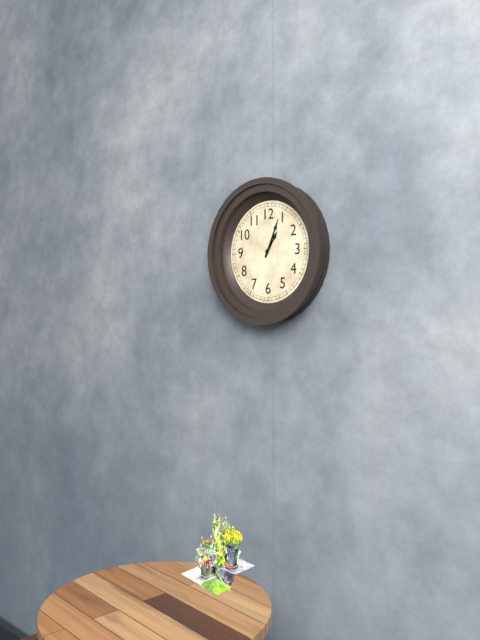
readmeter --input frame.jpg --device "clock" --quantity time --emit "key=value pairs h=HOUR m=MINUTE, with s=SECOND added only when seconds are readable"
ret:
h=1 m=4
